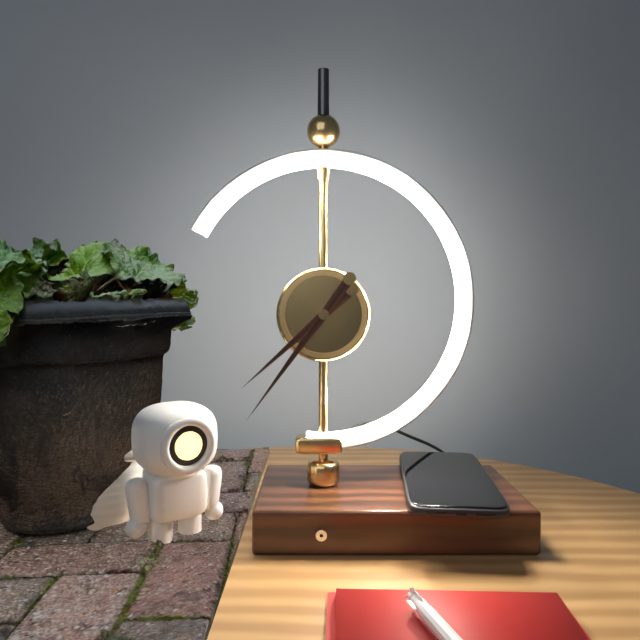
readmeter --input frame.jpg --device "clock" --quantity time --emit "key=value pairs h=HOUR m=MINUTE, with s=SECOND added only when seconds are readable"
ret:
h=7 m=36
